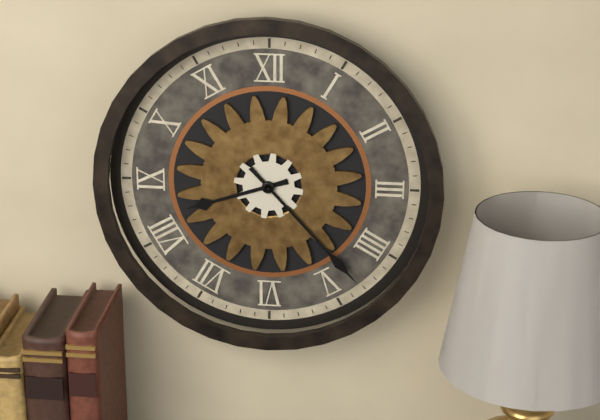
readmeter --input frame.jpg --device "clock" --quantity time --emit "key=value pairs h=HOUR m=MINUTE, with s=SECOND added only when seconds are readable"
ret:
h=8 m=23
